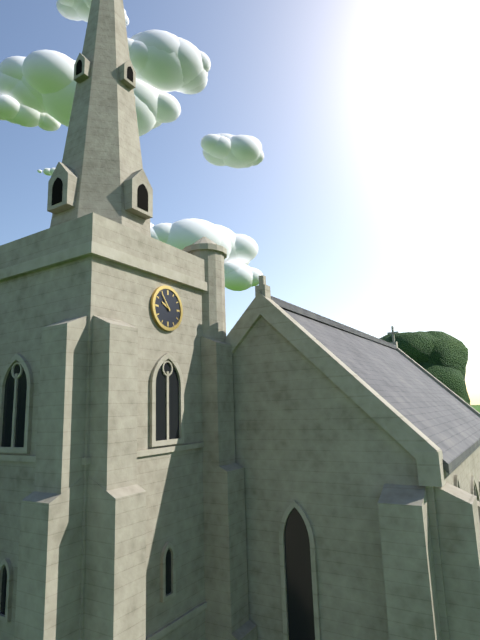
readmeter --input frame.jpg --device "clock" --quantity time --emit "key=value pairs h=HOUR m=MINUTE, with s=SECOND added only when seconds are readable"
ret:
h=9 m=54
